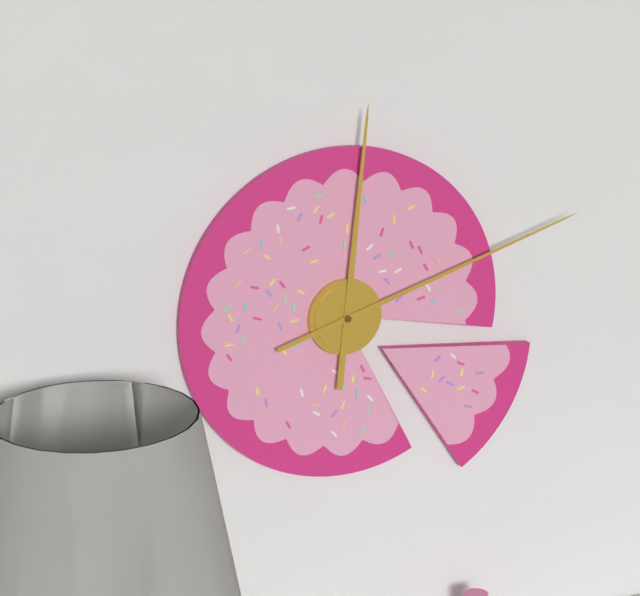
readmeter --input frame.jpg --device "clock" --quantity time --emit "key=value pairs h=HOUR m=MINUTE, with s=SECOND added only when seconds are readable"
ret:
h=12 m=12
